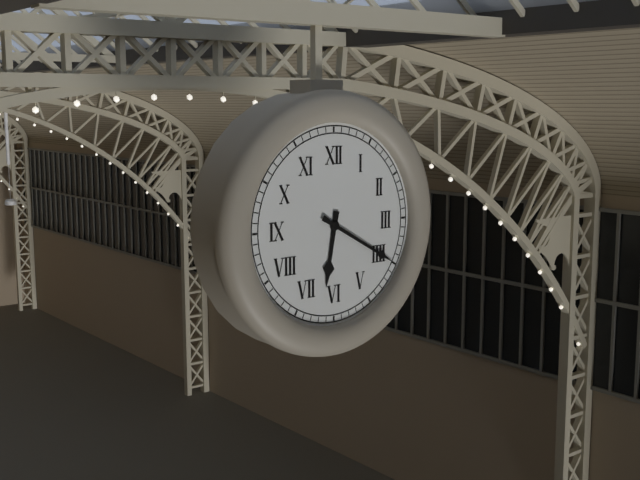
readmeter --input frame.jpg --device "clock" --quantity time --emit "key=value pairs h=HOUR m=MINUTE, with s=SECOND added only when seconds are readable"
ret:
h=6 m=20
